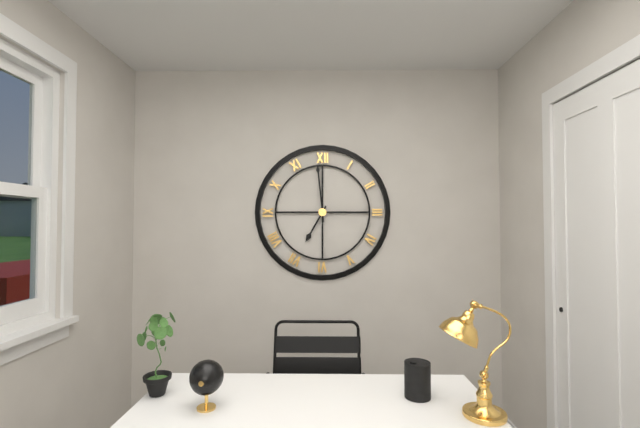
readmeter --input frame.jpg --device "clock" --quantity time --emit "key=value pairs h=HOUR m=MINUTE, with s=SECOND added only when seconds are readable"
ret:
h=6 m=59
